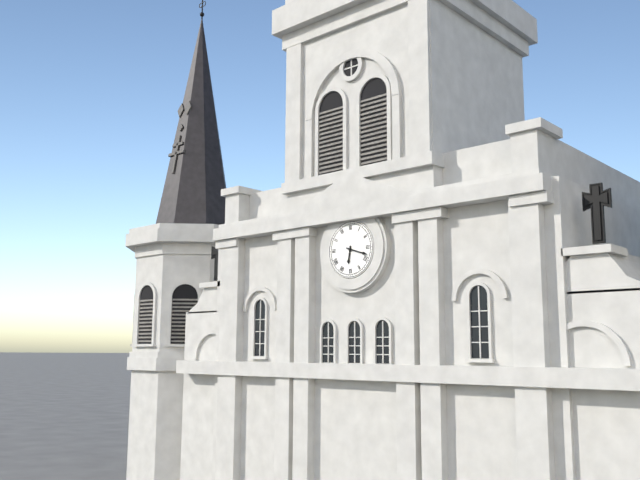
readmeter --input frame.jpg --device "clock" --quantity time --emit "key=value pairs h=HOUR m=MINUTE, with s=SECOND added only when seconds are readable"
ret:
h=6 m=18
